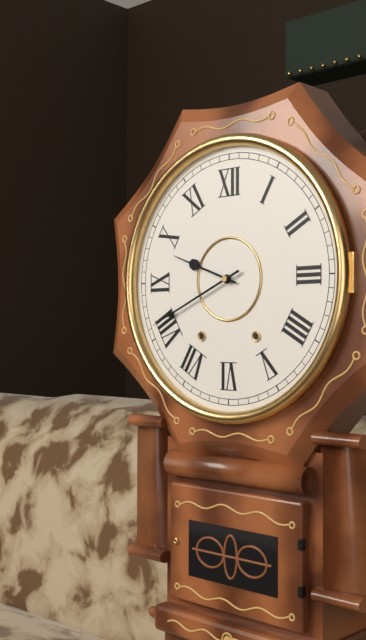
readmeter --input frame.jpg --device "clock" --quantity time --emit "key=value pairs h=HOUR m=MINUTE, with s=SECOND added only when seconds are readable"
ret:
h=9 m=41
